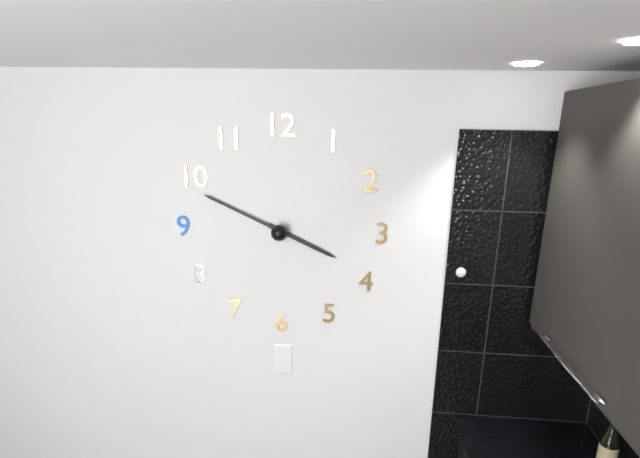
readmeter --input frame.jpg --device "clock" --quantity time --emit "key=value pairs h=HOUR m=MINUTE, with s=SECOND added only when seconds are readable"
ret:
h=3 m=49
